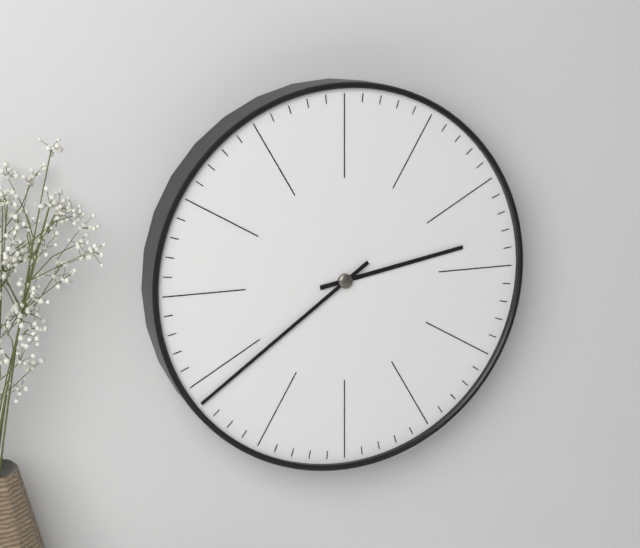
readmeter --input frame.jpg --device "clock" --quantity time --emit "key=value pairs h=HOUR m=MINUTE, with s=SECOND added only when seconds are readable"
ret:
h=2 m=39
